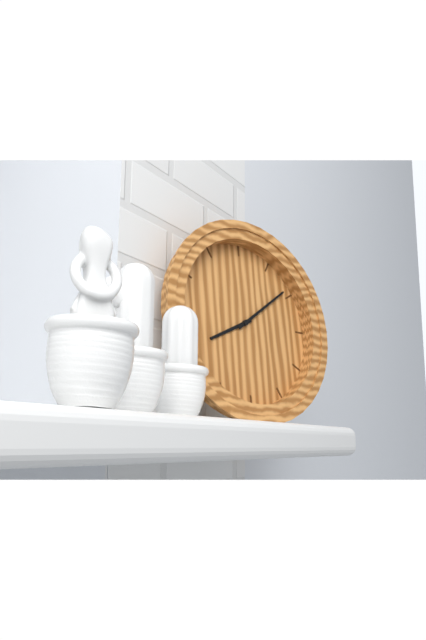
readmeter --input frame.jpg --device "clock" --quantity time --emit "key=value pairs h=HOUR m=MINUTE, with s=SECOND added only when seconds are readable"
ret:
h=8 m=9
